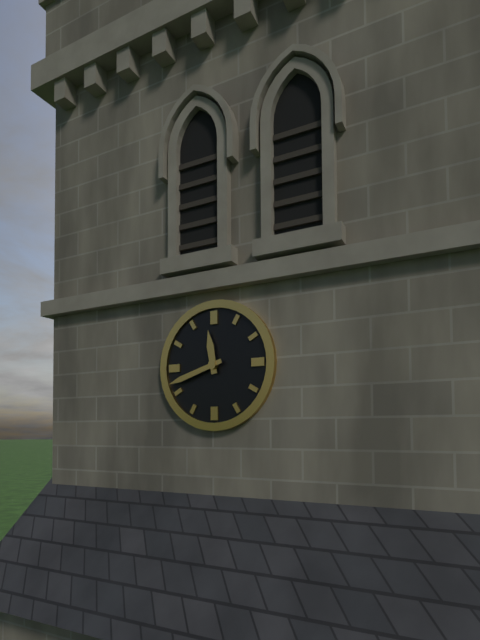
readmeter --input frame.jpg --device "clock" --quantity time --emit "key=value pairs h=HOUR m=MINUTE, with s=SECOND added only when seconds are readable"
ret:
h=11 m=42
